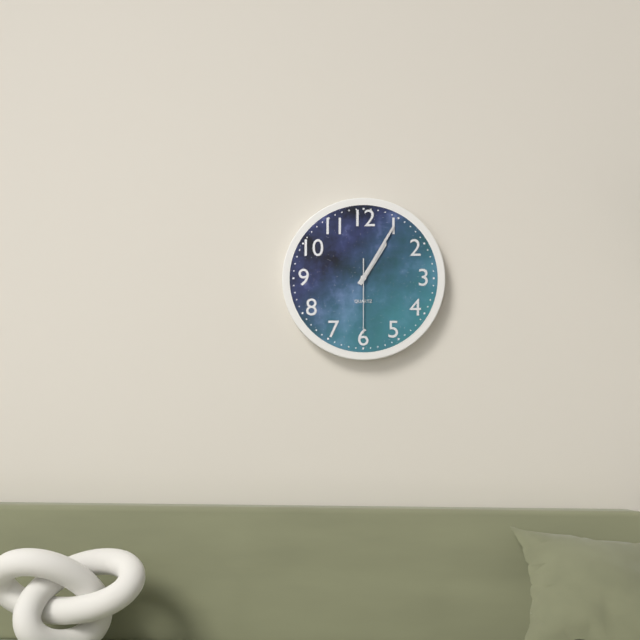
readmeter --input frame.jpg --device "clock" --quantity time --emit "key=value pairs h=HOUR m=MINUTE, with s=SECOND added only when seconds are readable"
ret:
h=1 m=5 s=30
